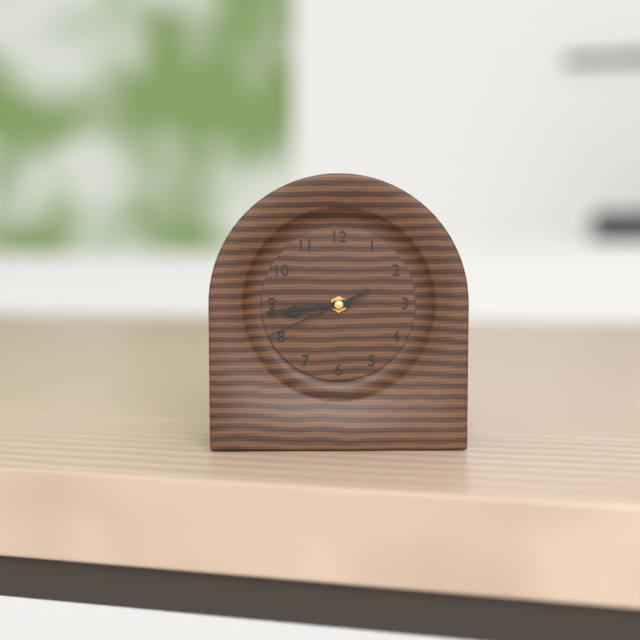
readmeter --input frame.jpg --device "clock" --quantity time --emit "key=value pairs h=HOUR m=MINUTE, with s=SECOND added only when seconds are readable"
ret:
h=8 m=44 s=41
